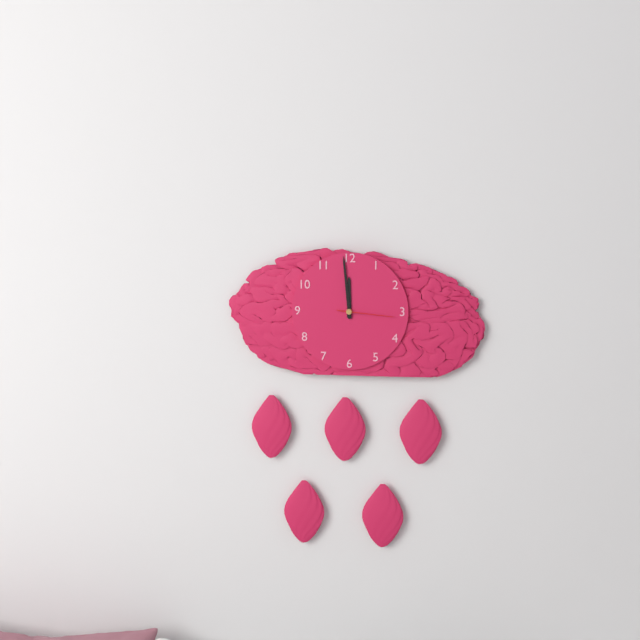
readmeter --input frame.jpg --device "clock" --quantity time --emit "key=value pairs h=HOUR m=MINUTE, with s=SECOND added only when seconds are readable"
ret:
h=11 m=59 s=16
